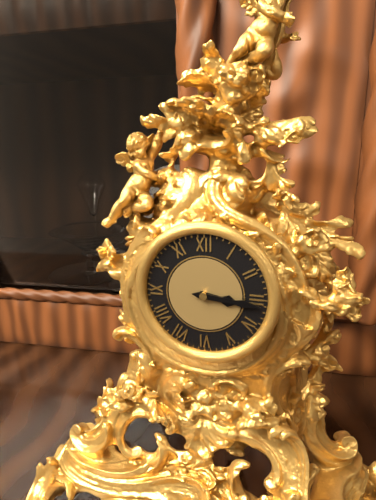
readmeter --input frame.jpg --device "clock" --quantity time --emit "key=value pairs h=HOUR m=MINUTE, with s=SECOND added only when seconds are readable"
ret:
h=3 m=16
